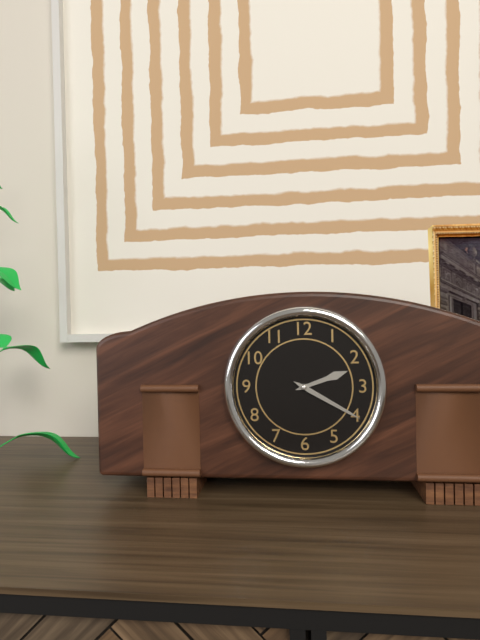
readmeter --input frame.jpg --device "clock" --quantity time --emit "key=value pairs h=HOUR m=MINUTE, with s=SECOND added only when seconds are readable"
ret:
h=2 m=20
